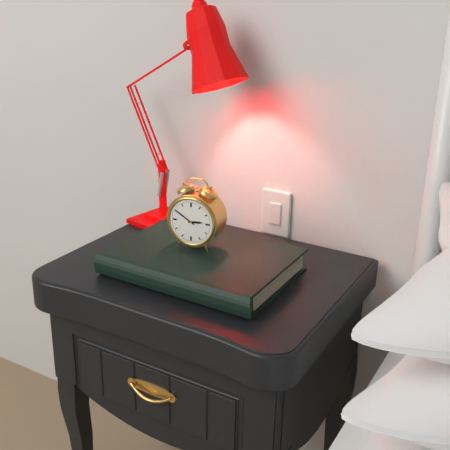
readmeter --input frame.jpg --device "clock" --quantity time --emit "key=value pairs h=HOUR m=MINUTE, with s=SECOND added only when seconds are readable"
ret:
h=2 m=50
